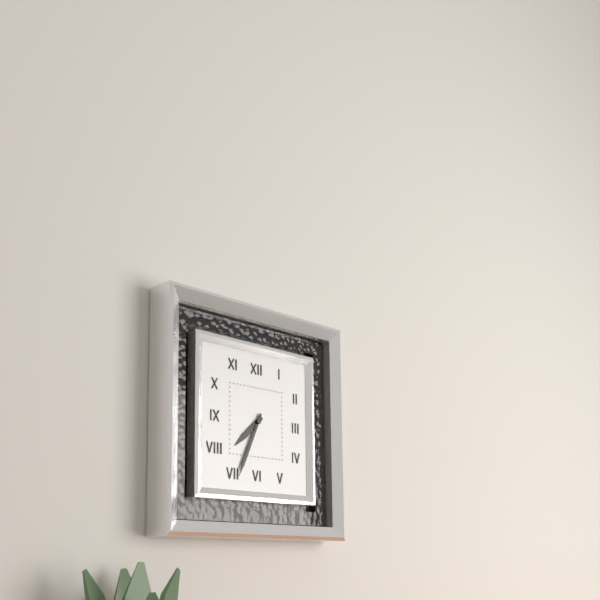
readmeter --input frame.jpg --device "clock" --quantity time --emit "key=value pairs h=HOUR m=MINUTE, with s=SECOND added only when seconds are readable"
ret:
h=7 m=34
